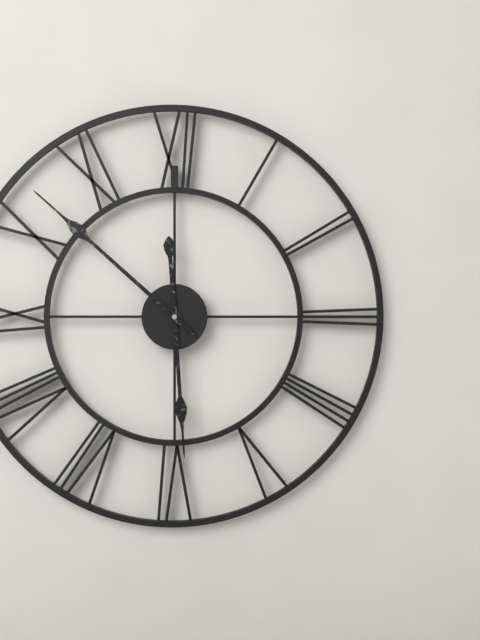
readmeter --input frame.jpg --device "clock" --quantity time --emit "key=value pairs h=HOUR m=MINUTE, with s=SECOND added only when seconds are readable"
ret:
h=5 m=52
